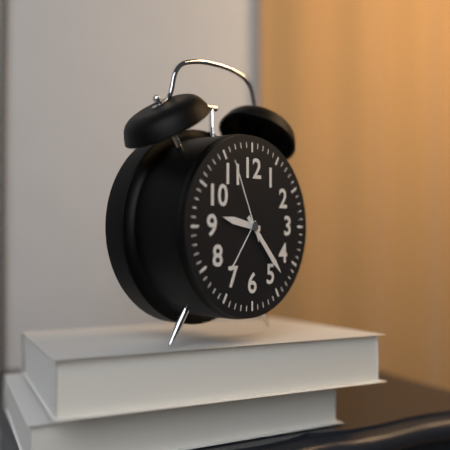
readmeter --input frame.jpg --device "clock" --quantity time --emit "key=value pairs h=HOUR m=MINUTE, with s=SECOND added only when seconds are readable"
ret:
h=9 m=23 s=56
